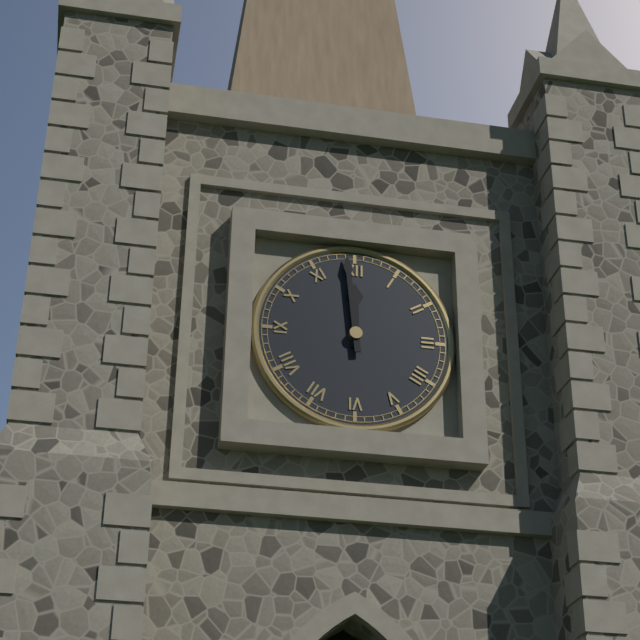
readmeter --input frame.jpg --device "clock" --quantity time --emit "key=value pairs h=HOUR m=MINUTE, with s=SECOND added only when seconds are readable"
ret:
h=11 m=59
